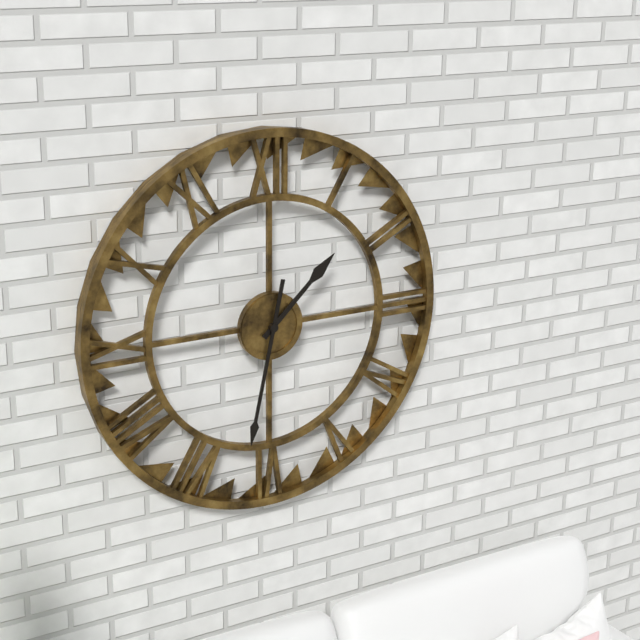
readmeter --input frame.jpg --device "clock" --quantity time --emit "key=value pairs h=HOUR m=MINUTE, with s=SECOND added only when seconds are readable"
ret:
h=1 m=32
